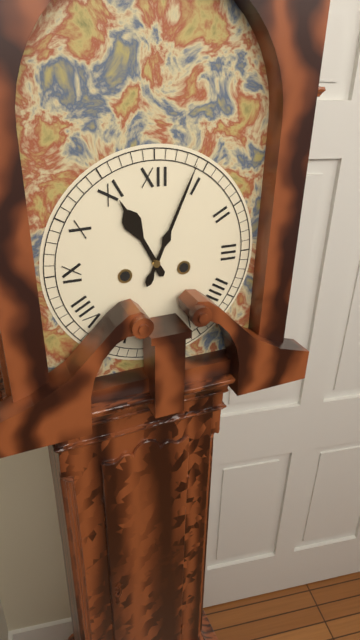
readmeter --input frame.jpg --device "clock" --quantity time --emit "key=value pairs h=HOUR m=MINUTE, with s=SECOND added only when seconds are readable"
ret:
h=11 m=4
